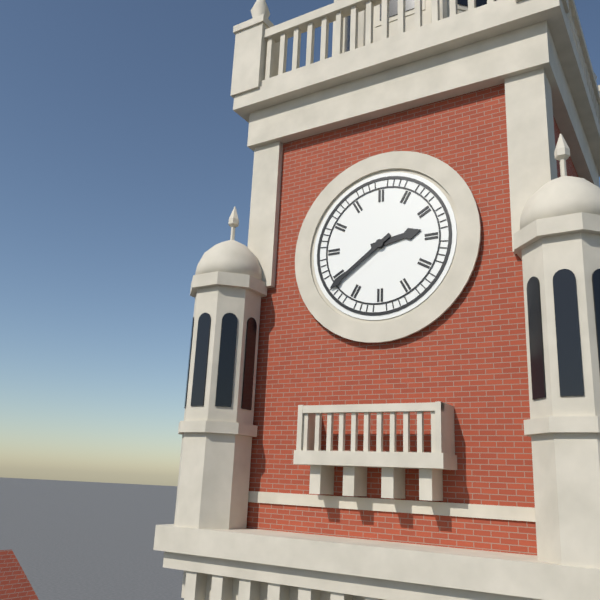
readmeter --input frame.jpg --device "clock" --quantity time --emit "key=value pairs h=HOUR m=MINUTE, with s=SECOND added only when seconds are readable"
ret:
h=2 m=39
